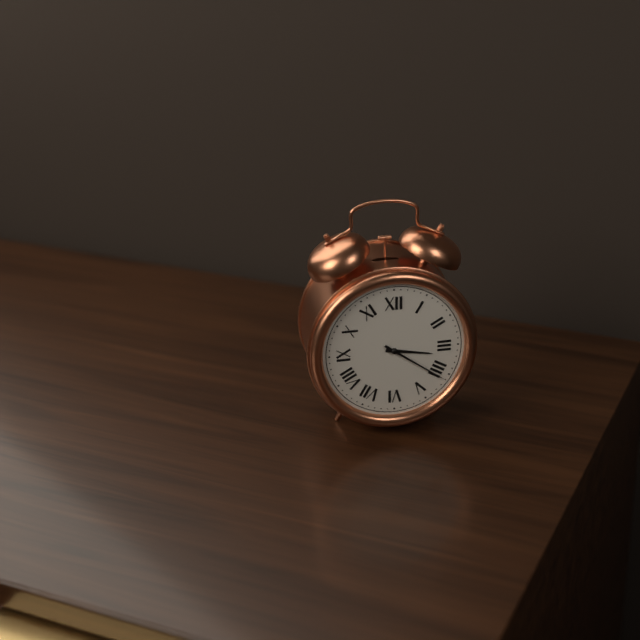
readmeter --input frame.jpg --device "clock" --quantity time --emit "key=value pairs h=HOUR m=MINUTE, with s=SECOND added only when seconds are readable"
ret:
h=3 m=21
